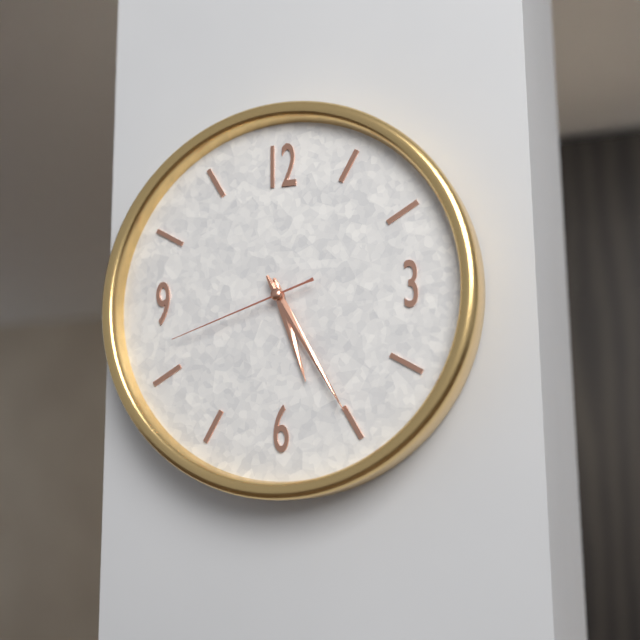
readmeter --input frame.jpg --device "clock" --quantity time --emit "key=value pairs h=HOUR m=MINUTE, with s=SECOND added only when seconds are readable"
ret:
h=5 m=25 s=42
